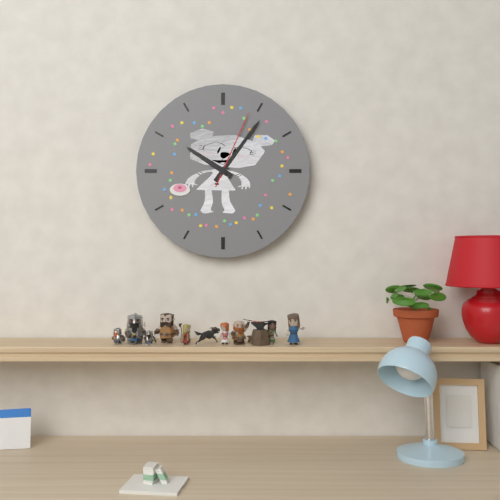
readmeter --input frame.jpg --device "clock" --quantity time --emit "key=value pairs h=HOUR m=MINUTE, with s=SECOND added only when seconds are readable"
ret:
h=10 m=6 s=4
